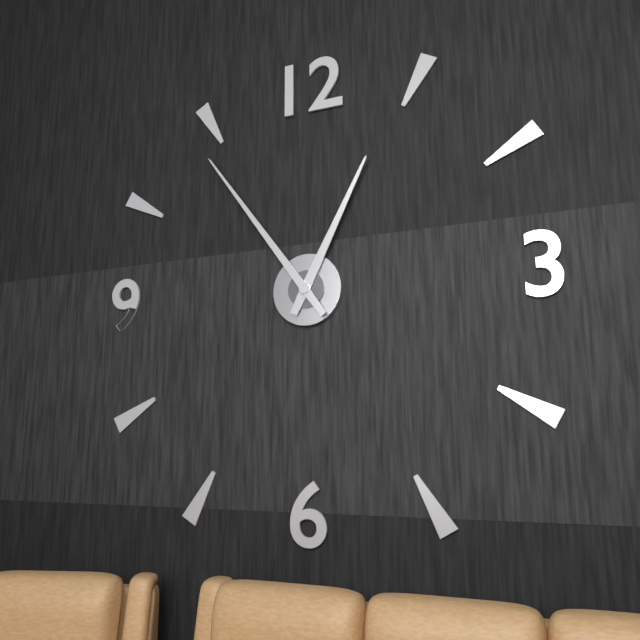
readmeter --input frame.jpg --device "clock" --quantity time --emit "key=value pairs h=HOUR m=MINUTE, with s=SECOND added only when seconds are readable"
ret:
h=12 m=54
